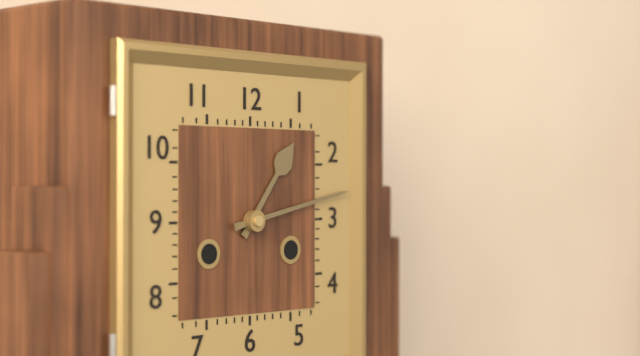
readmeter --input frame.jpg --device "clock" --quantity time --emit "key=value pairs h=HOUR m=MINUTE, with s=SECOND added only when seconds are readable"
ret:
h=1 m=13
